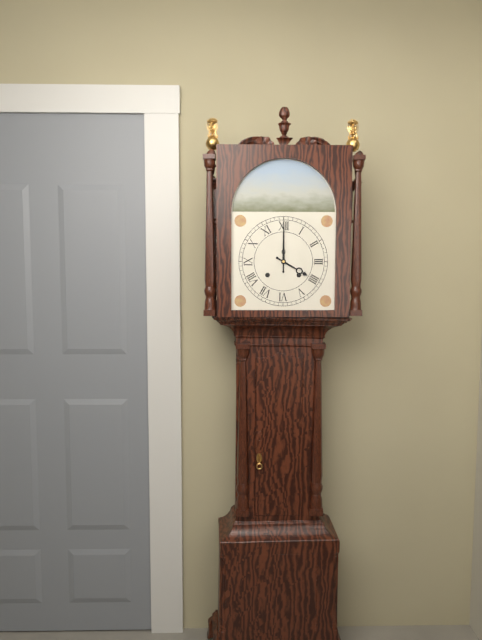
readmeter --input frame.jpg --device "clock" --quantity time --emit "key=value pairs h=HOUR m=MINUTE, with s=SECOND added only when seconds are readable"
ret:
h=4 m=0
